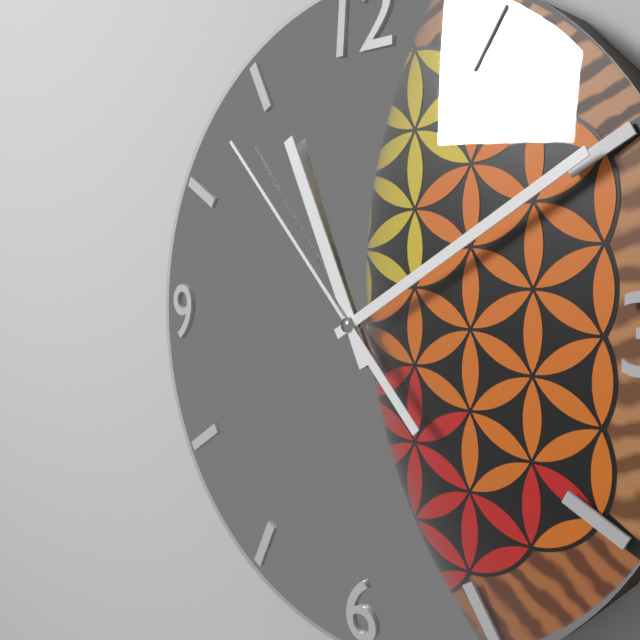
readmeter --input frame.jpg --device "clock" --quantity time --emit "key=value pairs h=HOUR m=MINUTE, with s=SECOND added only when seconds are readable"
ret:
h=11 m=10 s=53
